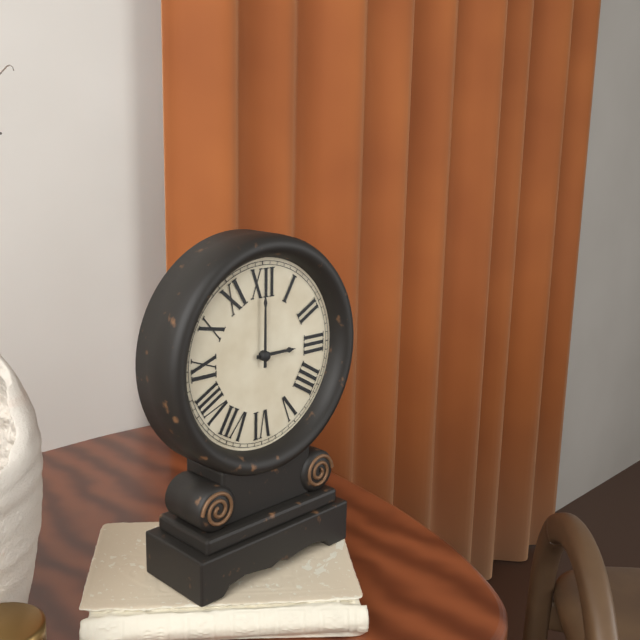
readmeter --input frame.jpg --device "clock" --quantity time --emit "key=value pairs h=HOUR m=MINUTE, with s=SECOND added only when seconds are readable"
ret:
h=3 m=0
